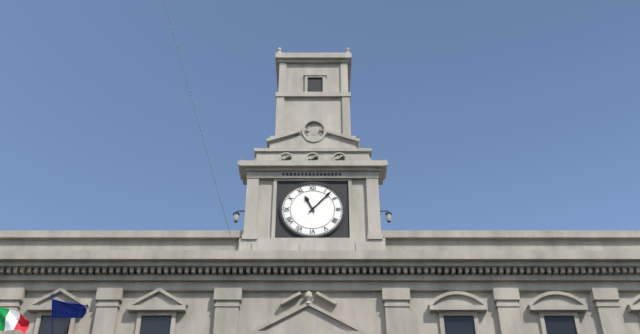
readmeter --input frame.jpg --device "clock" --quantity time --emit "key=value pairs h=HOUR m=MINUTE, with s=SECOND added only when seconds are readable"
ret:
h=11 m=7
